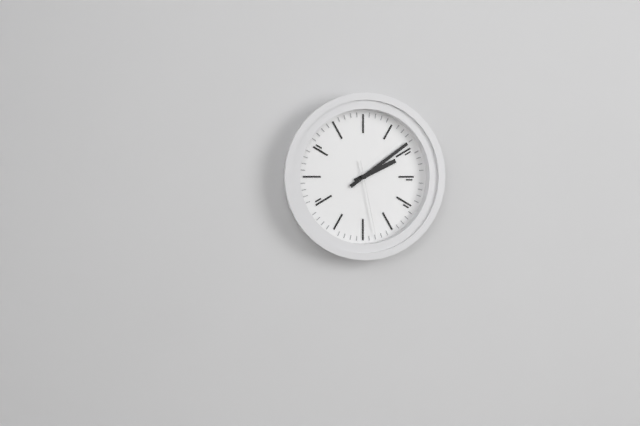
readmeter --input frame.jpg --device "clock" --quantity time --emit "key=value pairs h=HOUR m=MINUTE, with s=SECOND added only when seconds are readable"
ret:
h=2 m=9 s=28
